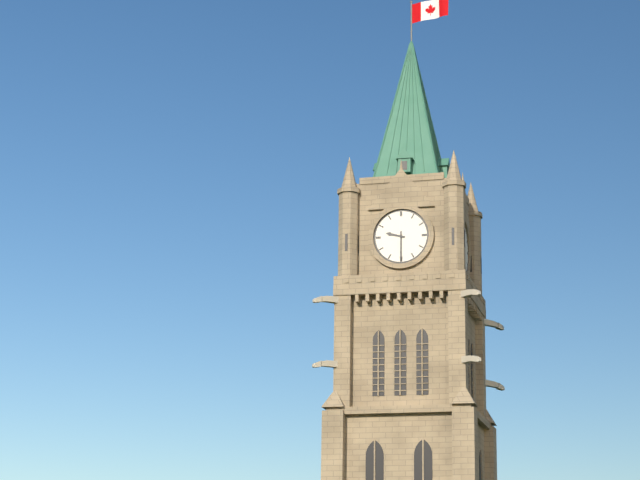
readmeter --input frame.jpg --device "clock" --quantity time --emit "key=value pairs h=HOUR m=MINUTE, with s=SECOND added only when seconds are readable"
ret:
h=9 m=30
